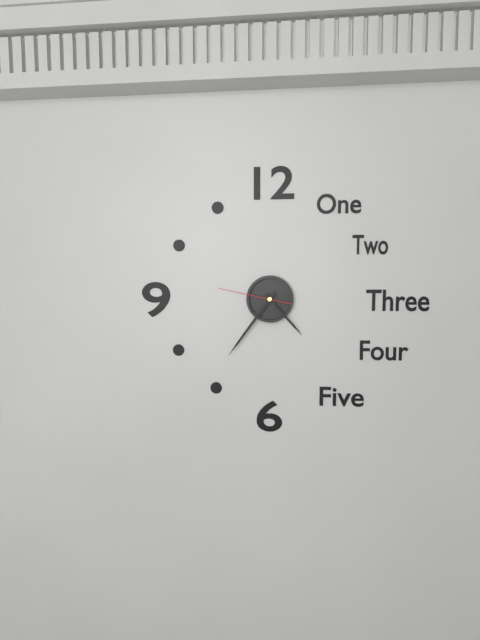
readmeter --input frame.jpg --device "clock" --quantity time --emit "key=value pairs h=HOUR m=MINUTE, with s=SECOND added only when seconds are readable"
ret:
h=4 m=36 s=47
